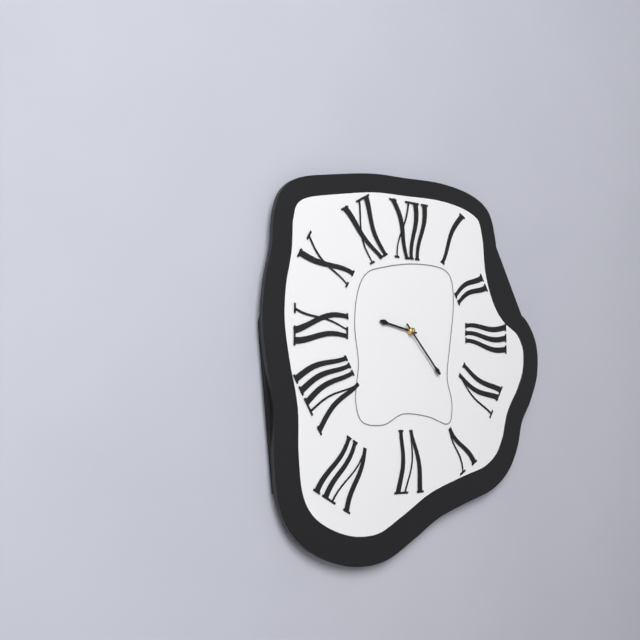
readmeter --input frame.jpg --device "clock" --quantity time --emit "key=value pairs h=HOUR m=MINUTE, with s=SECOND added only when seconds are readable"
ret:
h=9 m=23
